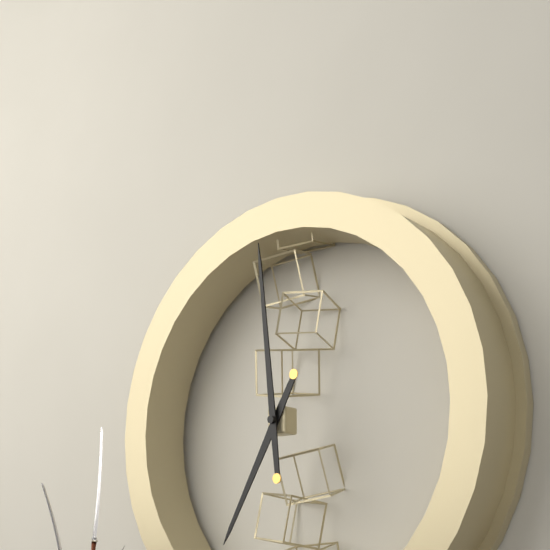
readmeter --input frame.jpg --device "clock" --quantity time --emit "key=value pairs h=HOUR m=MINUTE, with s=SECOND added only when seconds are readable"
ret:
h=6 m=59
